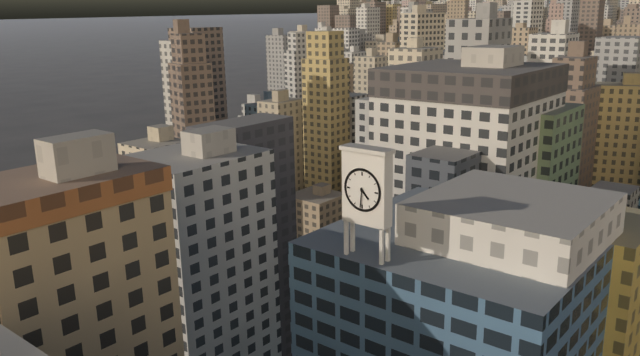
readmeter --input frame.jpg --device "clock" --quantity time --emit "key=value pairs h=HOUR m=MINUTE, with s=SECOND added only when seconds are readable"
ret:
h=4 m=31
